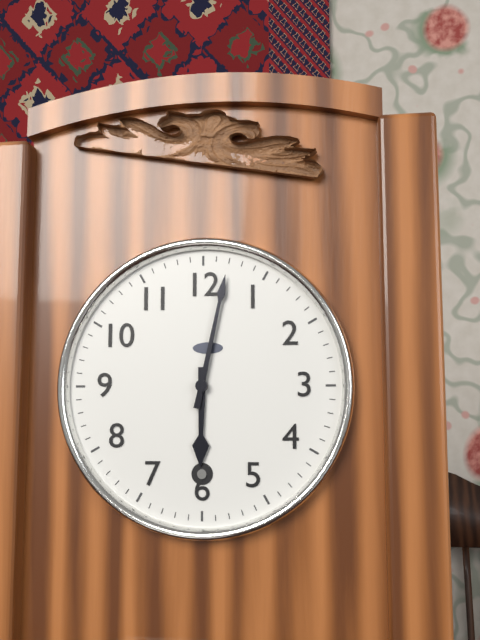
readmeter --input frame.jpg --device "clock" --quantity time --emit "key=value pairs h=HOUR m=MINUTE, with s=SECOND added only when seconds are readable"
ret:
h=6 m=2
